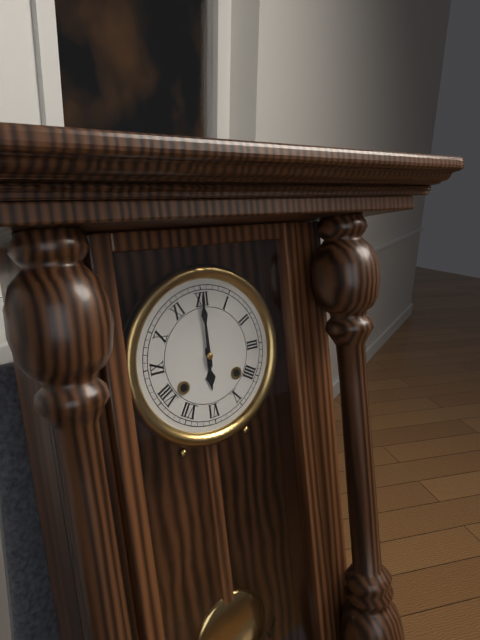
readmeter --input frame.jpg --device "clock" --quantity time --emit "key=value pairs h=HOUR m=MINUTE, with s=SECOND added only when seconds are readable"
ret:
h=6 m=0
